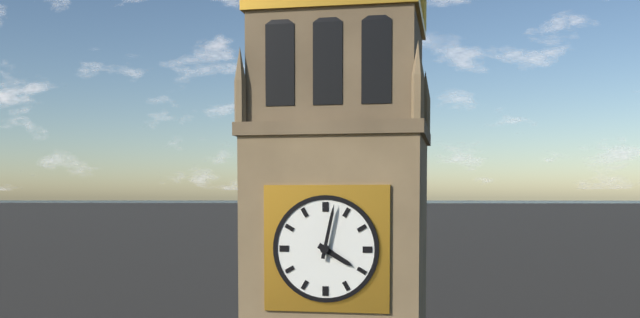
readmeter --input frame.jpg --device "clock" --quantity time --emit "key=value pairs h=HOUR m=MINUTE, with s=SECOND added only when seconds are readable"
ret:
h=4 m=2
